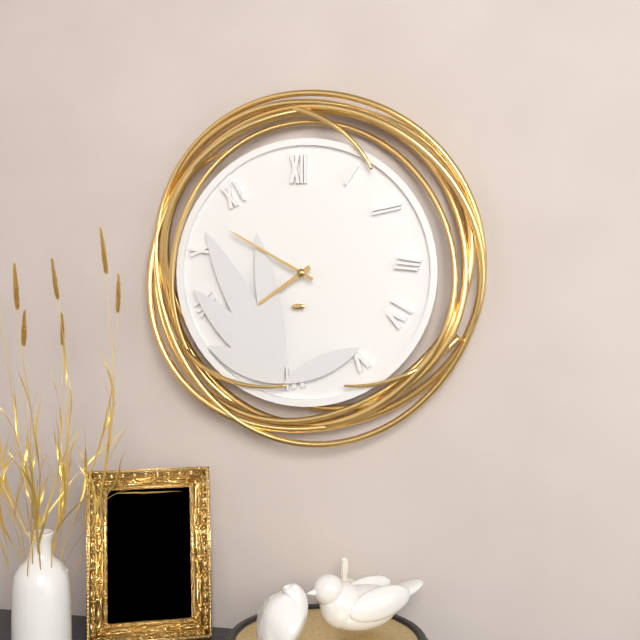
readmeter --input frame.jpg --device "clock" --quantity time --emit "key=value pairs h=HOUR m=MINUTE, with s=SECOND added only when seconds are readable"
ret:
h=7 m=50
